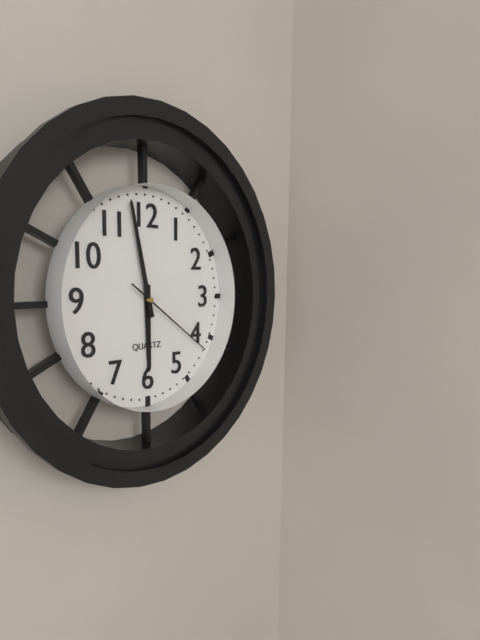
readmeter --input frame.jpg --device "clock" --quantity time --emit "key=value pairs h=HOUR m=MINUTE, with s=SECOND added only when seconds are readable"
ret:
h=5 m=58 s=21
